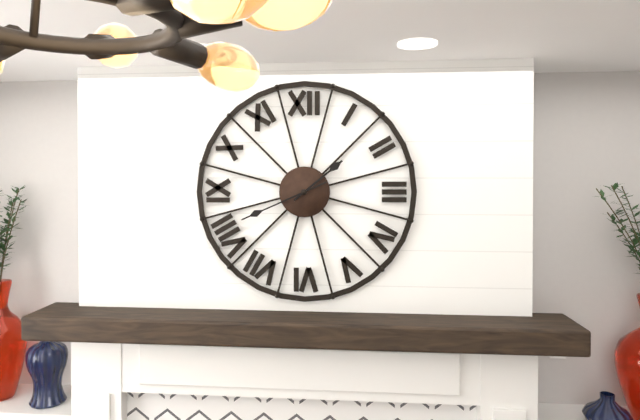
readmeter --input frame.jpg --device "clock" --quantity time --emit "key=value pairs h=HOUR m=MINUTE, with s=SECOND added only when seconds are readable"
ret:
h=1 m=41
